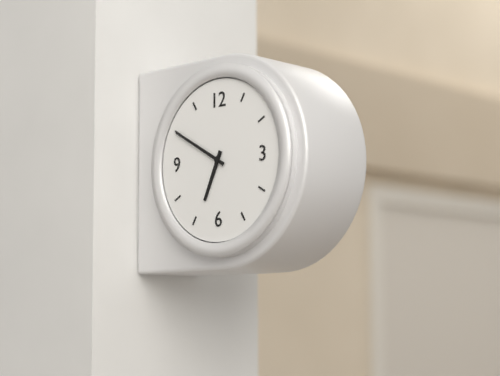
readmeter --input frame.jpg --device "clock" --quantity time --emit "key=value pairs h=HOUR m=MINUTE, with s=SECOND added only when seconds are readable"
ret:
h=6 m=50
